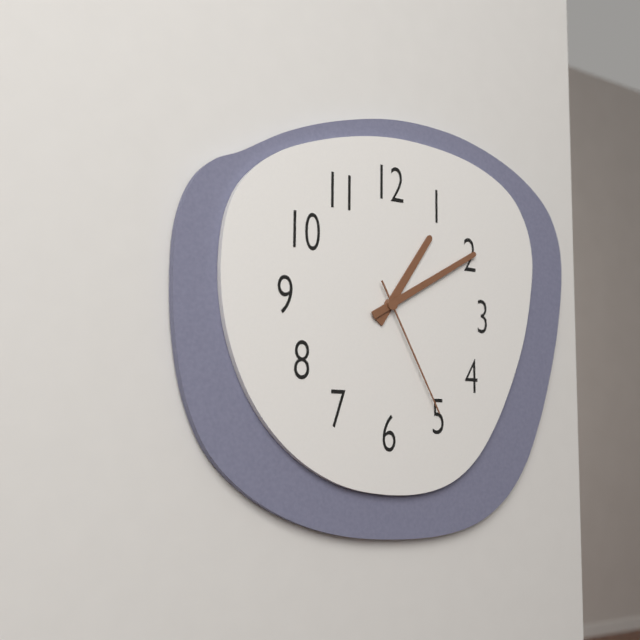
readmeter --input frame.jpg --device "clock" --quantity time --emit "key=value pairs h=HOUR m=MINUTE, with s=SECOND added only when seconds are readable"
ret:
h=1 m=10 s=25
